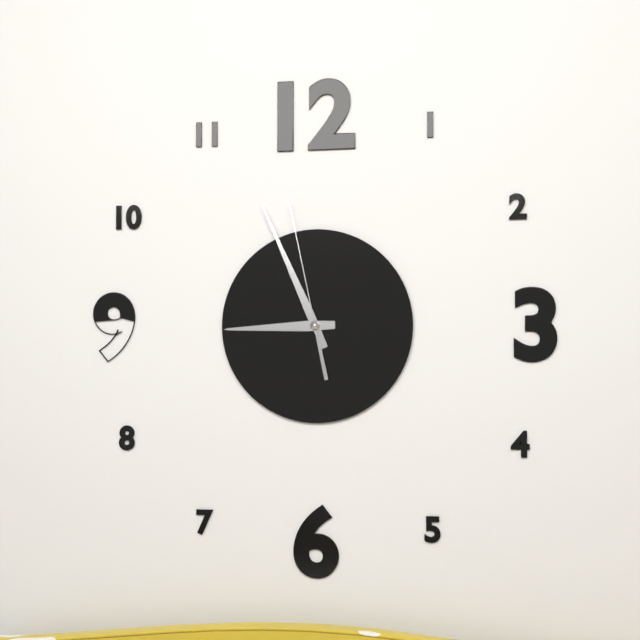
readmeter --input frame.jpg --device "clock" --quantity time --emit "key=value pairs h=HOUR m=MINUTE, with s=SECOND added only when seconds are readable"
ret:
h=8 m=56 s=58
